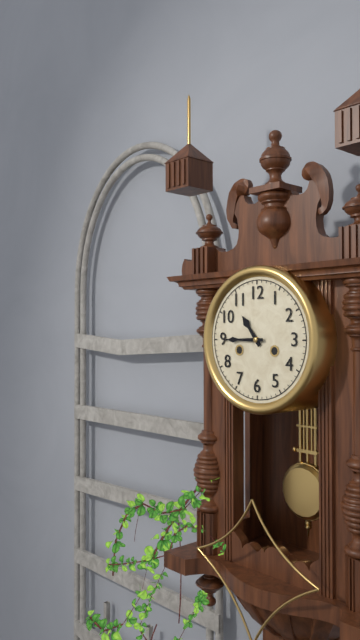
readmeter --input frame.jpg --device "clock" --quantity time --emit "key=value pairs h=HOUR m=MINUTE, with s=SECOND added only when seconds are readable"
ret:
h=10 m=45
